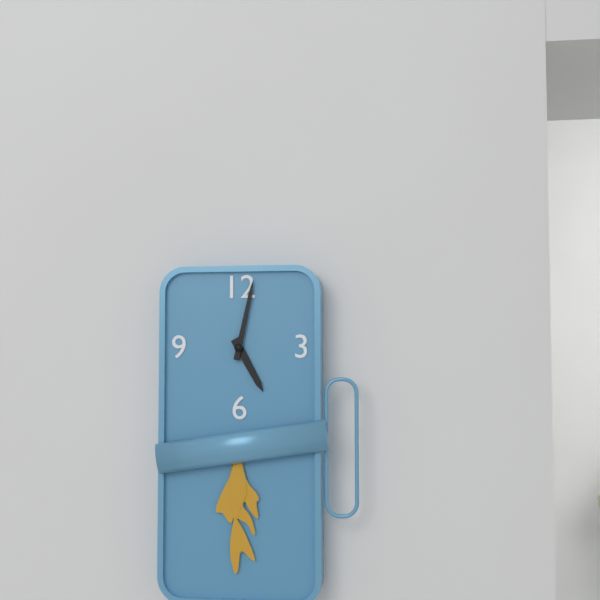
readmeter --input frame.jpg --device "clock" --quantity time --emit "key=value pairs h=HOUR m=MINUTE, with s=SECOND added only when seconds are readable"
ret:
h=5 m=2
